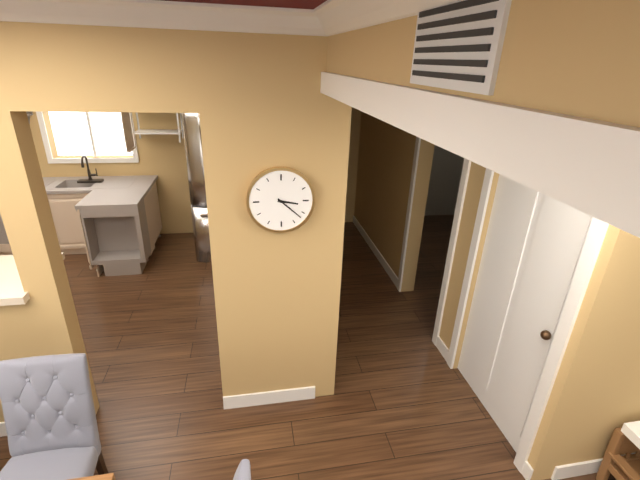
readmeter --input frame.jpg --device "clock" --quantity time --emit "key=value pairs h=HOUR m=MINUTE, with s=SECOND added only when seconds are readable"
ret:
h=3 m=22
